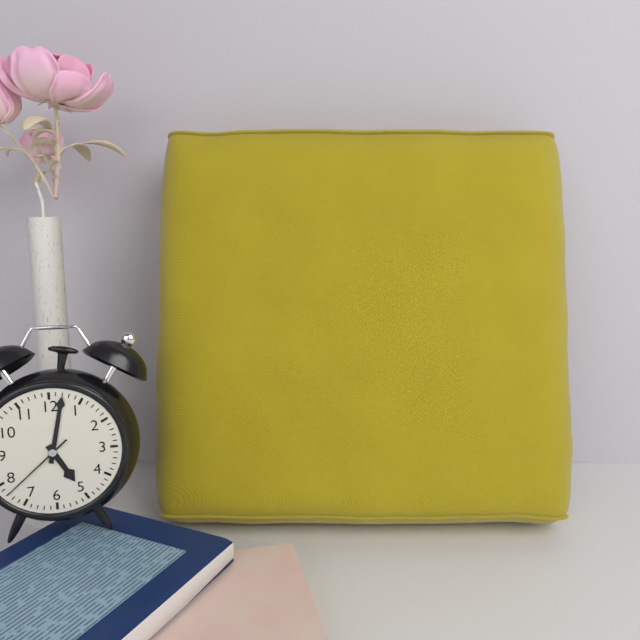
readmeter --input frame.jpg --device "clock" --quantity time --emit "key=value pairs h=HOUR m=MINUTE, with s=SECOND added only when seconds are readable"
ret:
h=5 m=2 s=38
